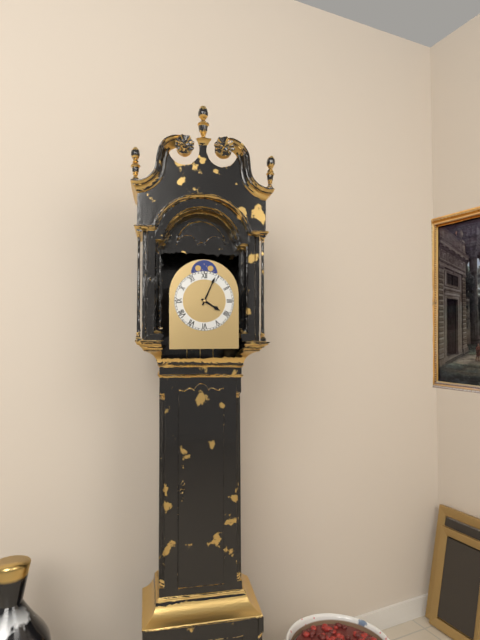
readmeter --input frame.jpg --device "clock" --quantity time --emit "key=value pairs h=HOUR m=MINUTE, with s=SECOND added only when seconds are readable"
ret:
h=4 m=4
